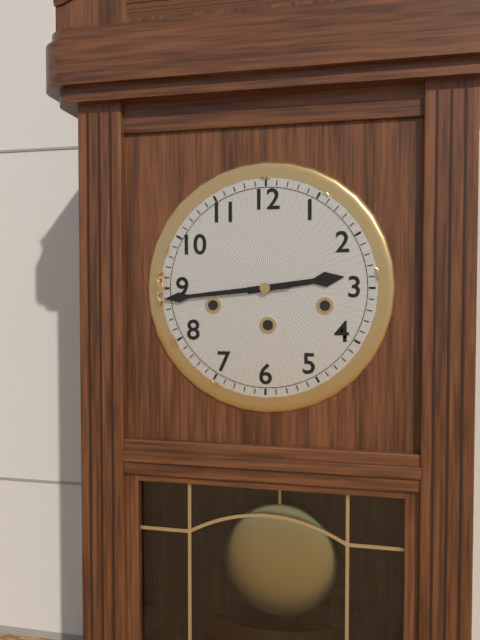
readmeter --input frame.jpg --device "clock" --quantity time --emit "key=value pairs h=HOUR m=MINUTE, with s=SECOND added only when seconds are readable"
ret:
h=2 m=44
